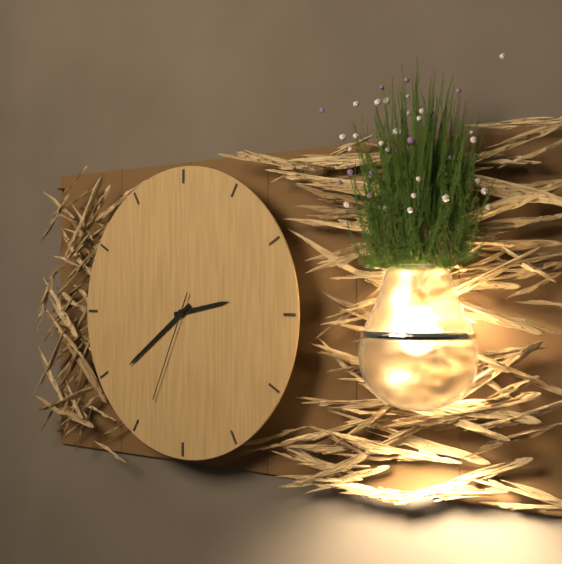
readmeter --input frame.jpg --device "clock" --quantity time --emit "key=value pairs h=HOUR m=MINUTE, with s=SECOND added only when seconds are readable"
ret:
h=2 m=39 s=34
